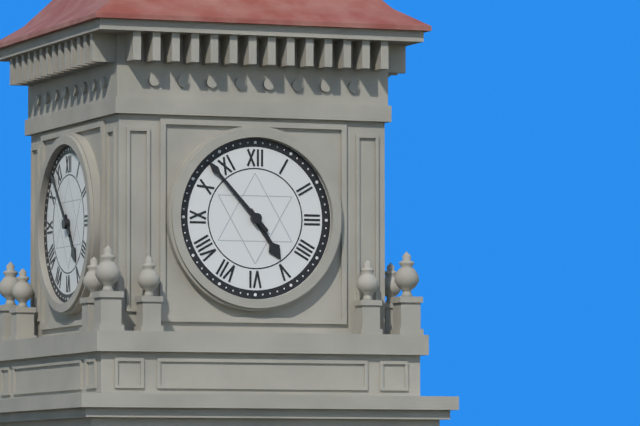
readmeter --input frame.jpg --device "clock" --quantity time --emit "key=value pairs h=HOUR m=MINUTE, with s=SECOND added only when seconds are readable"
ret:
h=4 m=53
